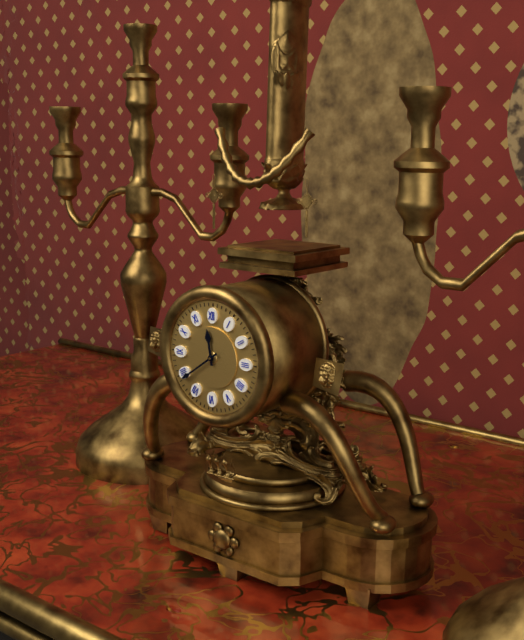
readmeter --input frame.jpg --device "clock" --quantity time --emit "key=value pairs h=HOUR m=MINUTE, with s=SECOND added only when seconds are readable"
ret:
h=11 m=39
